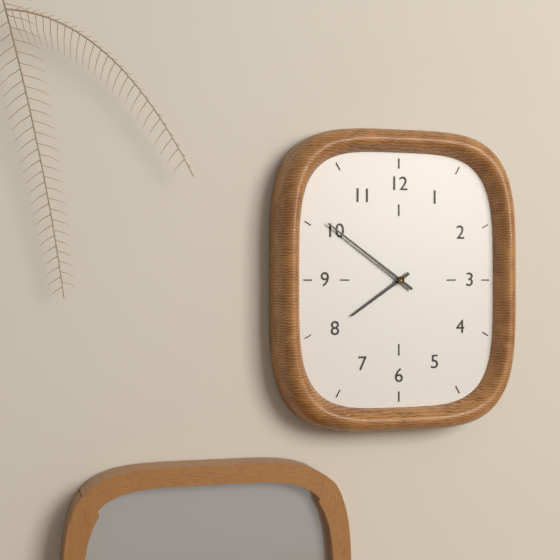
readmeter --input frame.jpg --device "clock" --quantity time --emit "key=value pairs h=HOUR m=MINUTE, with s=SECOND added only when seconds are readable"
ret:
h=7 m=51
